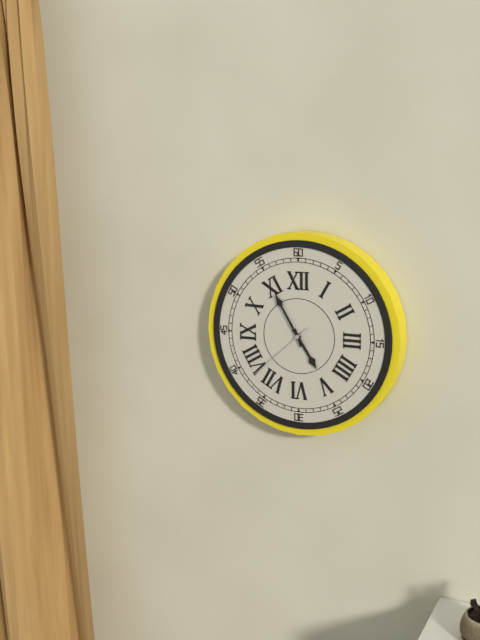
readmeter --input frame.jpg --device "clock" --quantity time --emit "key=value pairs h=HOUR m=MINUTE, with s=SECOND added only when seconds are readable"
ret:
h=4 m=55 s=38
